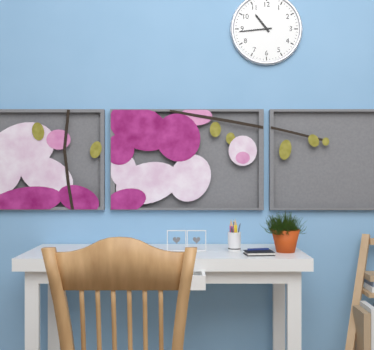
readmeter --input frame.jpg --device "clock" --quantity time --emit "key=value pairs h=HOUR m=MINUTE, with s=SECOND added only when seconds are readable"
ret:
h=10 m=44
